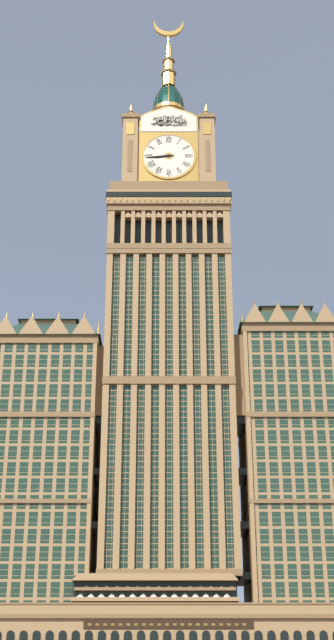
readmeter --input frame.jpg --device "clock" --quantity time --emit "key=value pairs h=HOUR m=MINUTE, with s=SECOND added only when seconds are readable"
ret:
h=8 m=44
